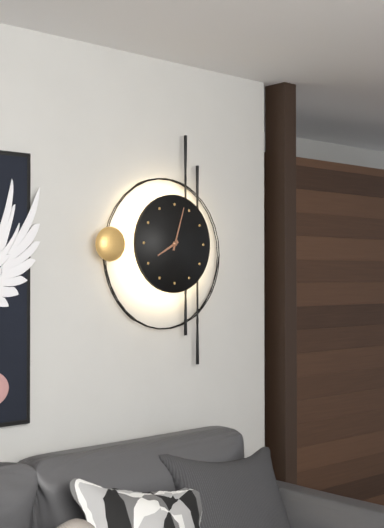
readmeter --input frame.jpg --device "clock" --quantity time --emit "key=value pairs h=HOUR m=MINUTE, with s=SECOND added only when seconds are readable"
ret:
h=8 m=3
